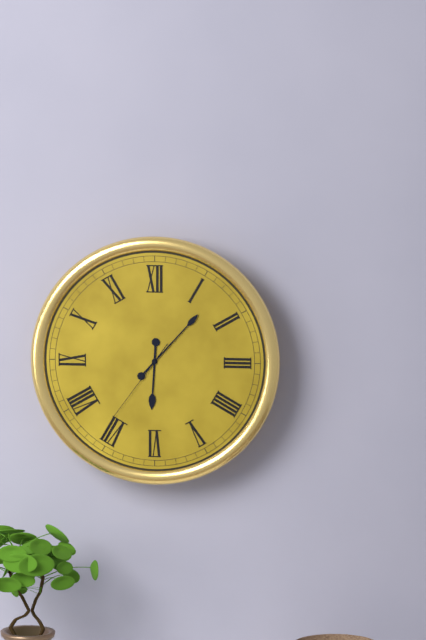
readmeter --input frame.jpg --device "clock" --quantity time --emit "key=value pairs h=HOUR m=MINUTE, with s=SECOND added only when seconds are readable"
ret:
h=6 m=7 s=36
